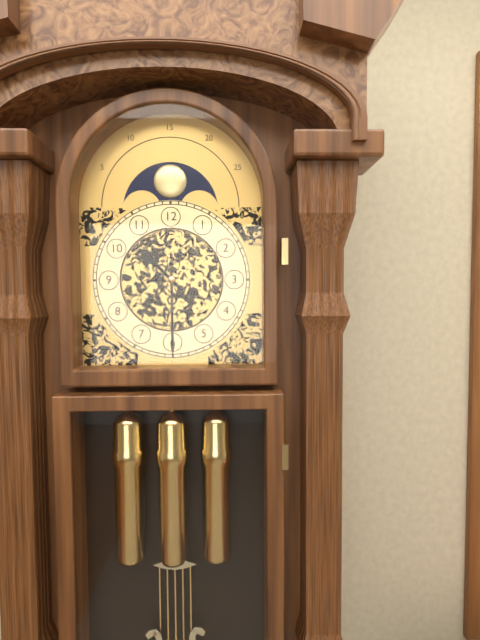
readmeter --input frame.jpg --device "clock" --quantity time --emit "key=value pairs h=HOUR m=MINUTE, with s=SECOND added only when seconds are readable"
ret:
h=10 m=30
